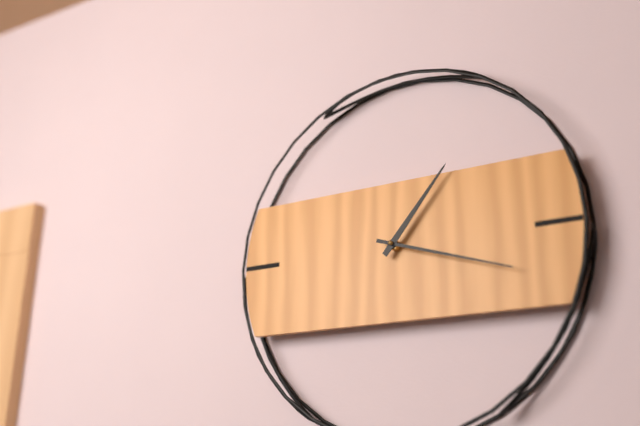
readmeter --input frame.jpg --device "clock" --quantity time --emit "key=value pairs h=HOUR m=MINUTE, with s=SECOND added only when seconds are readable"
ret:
h=1 m=18
